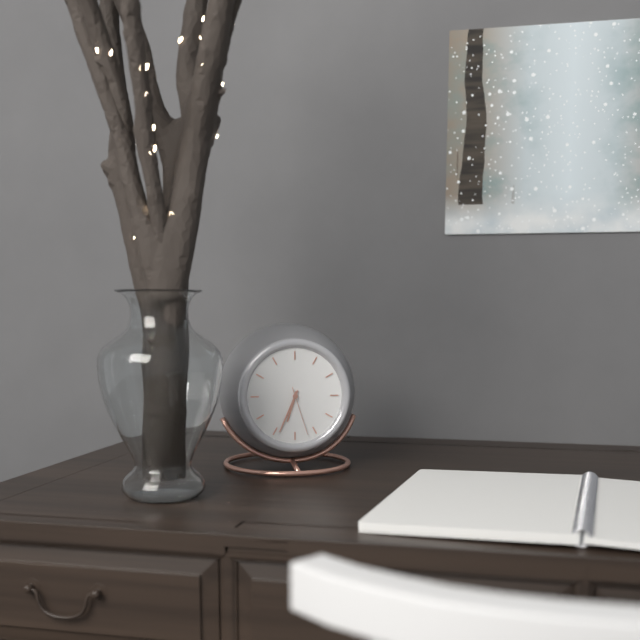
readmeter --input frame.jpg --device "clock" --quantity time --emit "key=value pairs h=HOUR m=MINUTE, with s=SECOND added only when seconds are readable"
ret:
h=6 m=34 s=27
